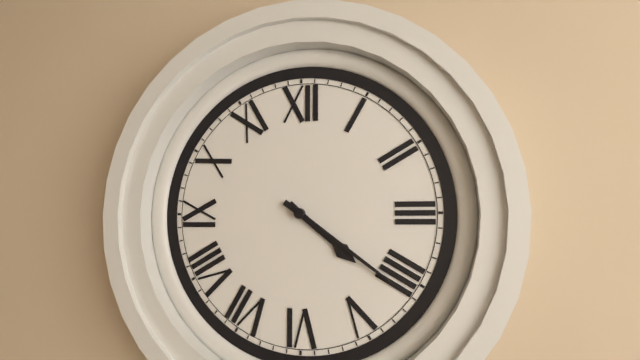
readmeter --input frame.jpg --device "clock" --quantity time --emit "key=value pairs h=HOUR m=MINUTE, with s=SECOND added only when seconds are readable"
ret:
h=4 m=21
